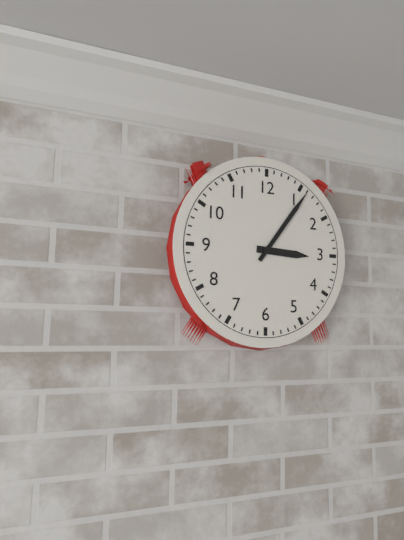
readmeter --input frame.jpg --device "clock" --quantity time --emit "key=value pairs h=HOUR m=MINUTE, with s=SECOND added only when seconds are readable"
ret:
h=3 m=6
